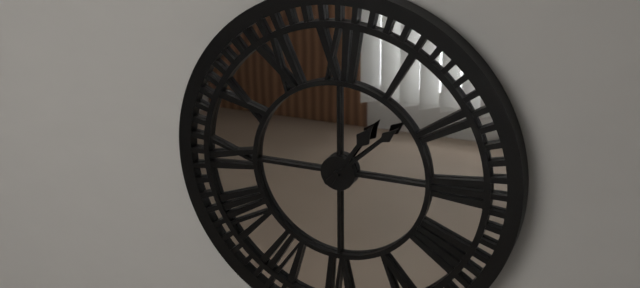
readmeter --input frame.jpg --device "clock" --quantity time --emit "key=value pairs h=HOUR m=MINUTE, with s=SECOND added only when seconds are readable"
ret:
h=1 m=8
